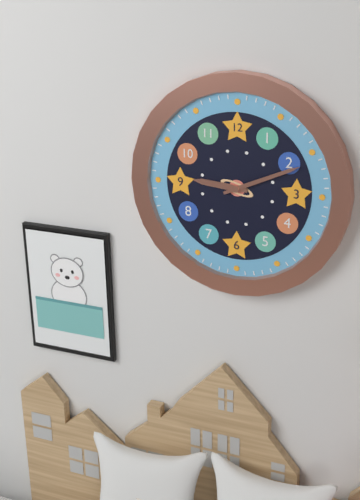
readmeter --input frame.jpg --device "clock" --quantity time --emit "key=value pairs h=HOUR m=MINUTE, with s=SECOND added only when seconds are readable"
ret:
h=9 m=11
